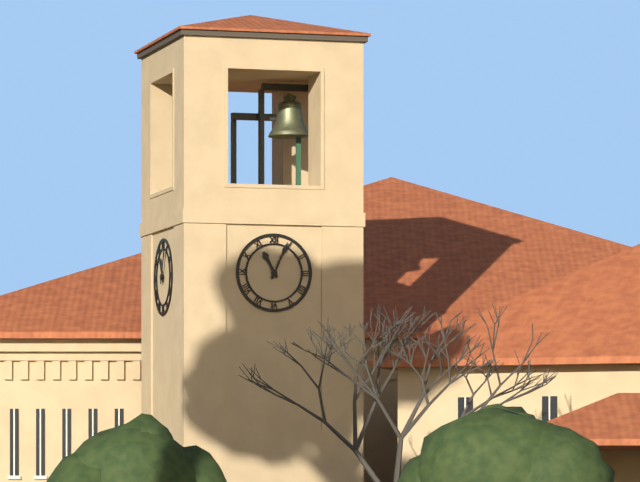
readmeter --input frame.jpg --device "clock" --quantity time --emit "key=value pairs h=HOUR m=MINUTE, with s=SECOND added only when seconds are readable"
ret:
h=11 m=4
